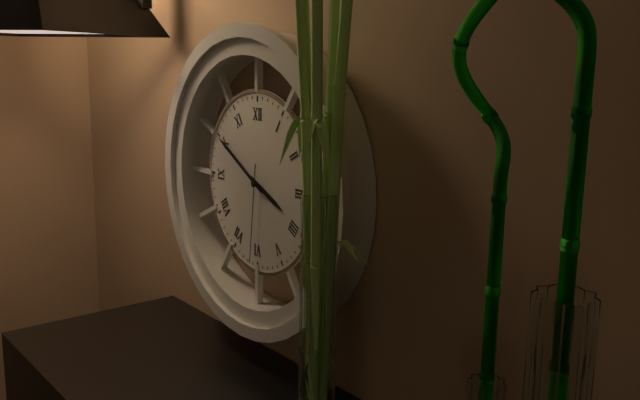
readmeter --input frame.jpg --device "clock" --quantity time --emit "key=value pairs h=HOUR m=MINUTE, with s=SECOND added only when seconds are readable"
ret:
h=3 m=50 s=31
